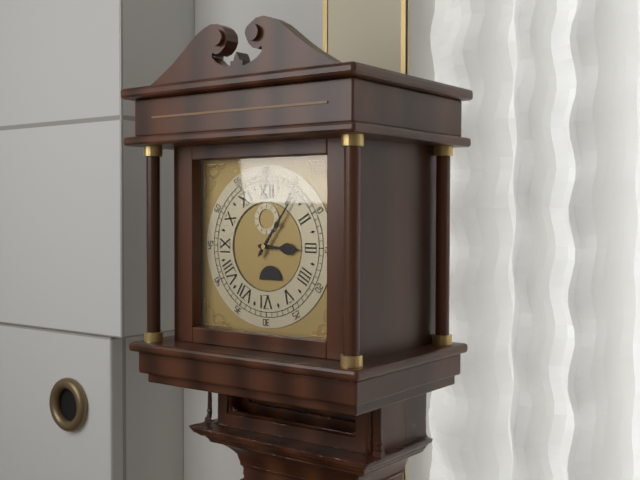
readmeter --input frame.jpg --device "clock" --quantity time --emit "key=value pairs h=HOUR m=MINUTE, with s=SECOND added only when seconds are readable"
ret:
h=3 m=6
